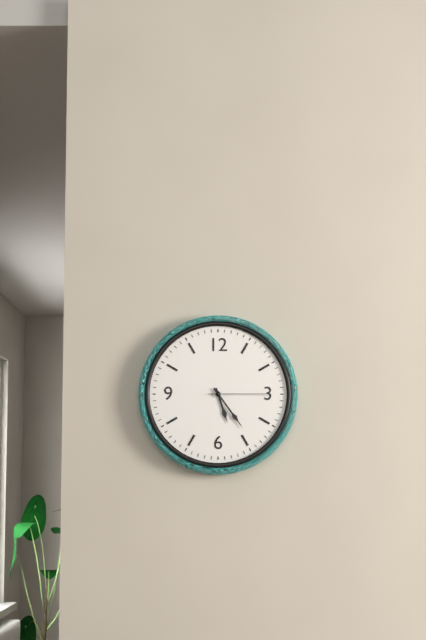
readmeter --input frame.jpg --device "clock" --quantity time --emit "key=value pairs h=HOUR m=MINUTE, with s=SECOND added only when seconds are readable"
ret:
h=5 m=24 s=15
